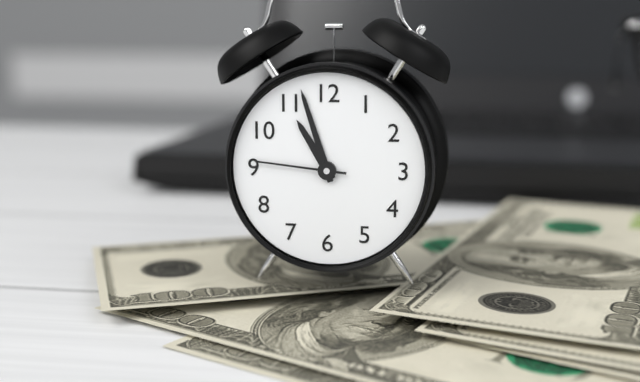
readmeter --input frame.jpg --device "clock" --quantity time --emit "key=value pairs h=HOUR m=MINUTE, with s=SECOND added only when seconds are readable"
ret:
h=10 m=57 s=46
